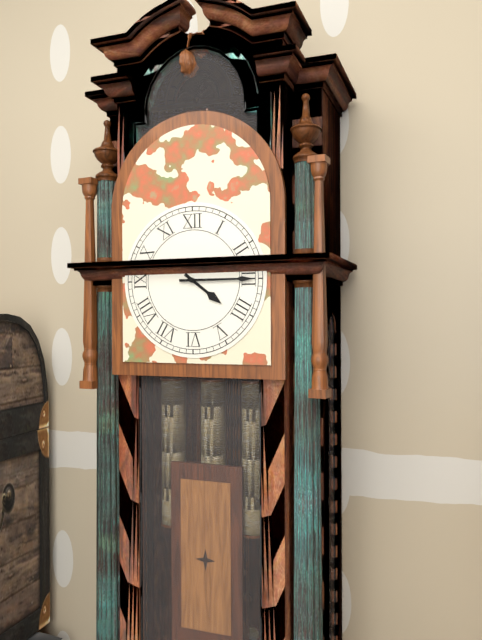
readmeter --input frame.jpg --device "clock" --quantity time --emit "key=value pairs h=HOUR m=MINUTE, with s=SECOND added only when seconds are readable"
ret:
h=4 m=15
